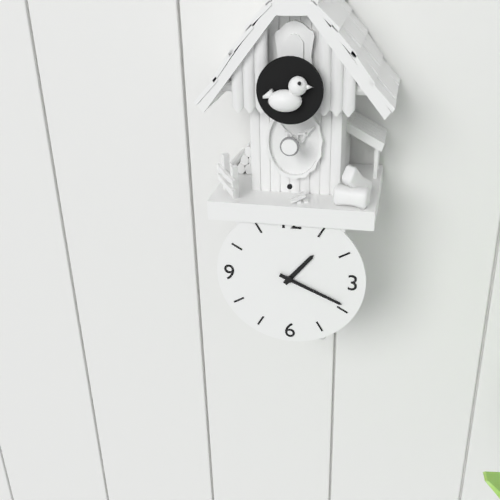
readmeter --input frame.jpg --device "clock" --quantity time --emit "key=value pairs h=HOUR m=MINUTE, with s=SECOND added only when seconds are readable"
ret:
h=1 m=19
